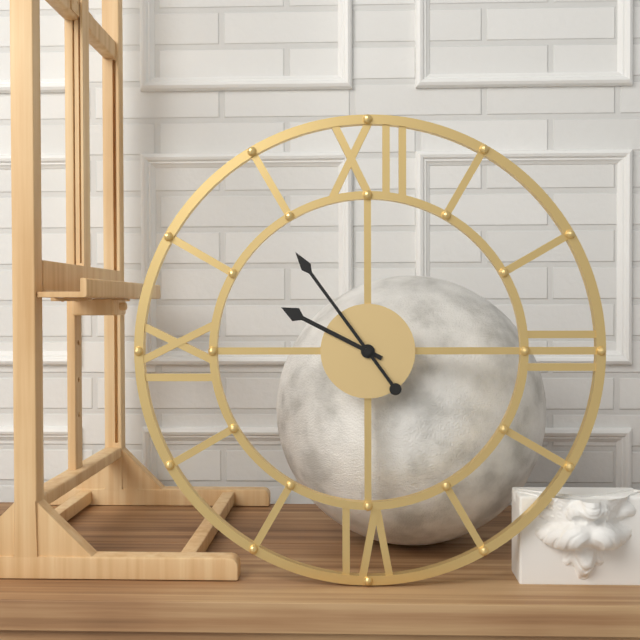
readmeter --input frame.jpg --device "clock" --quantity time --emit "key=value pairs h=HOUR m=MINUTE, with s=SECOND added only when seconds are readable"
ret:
h=9 m=54
